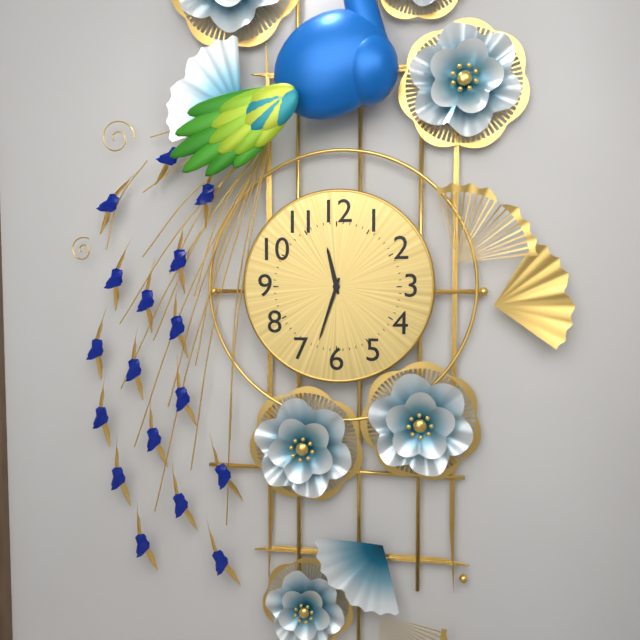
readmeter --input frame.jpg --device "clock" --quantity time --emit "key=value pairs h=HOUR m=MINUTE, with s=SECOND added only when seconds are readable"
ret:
h=11 m=33
